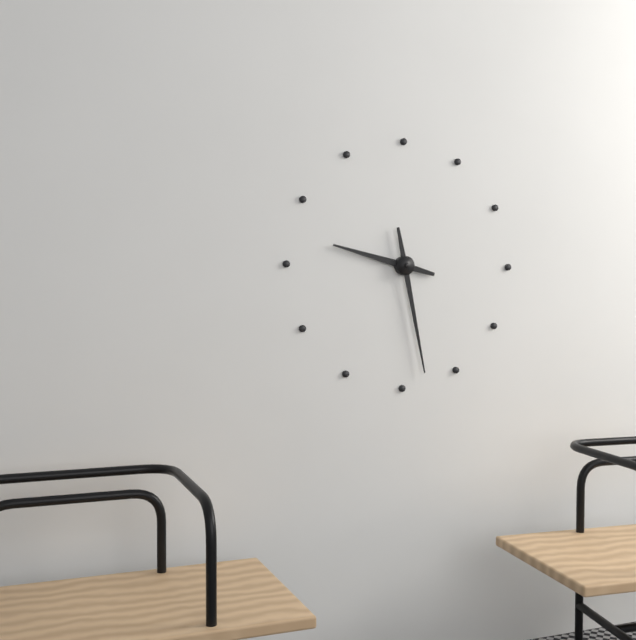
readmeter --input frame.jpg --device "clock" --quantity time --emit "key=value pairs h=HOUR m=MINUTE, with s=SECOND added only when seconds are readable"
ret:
h=9 m=28
